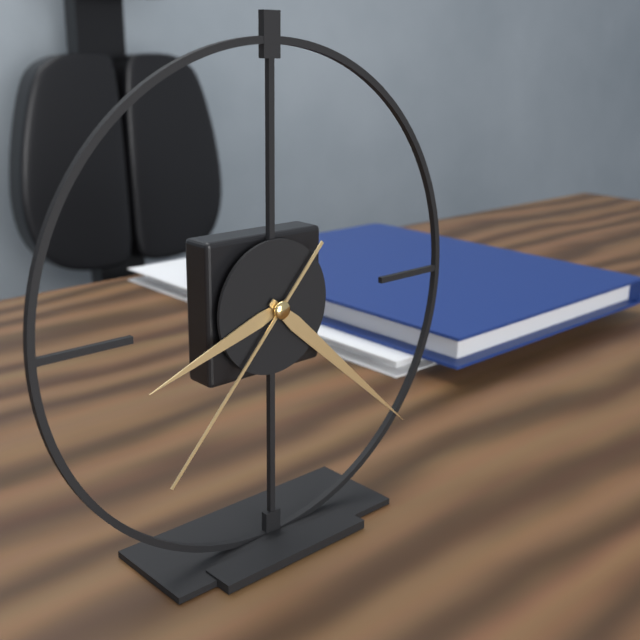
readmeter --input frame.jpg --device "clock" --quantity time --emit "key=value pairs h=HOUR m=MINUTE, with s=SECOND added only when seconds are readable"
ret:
h=8 m=22 s=37
